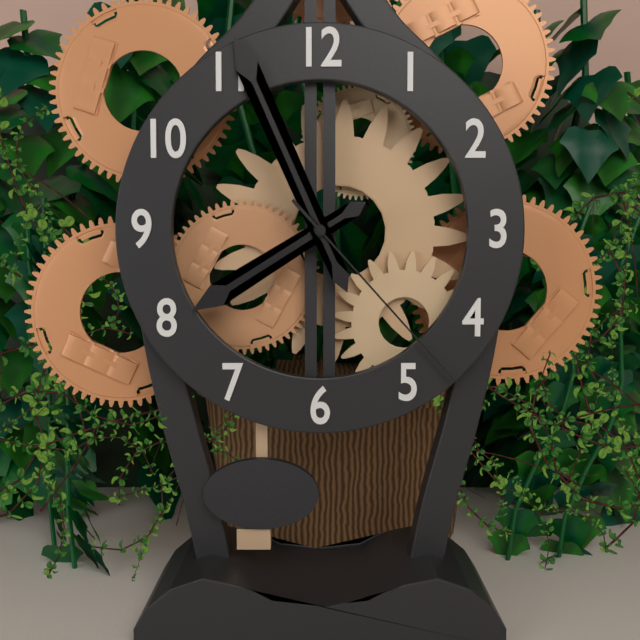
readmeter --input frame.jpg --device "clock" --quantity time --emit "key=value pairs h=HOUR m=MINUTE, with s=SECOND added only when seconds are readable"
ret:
h=7 m=56 s=23
